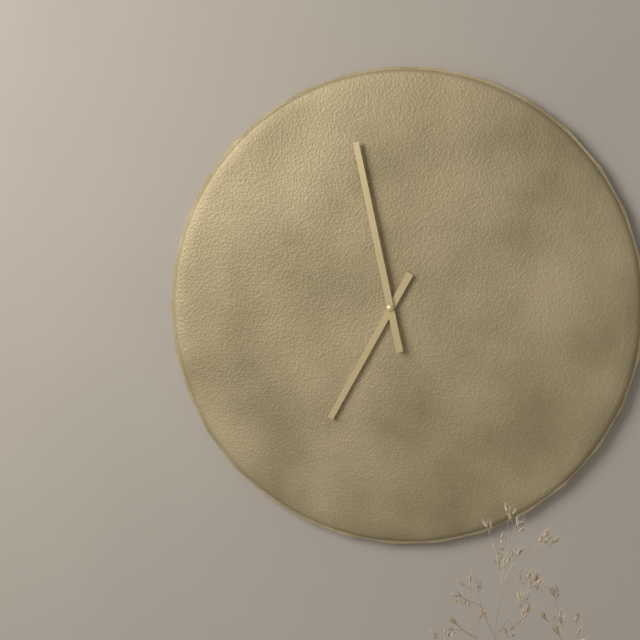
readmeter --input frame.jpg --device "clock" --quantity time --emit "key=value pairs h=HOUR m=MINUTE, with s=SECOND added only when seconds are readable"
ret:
h=6 m=58
